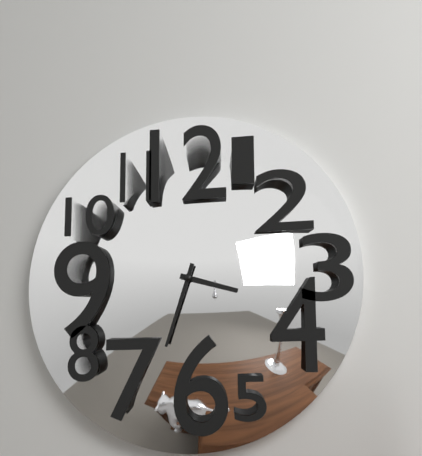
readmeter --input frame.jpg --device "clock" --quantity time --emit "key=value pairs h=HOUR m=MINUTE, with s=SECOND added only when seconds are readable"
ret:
h=3 m=33
